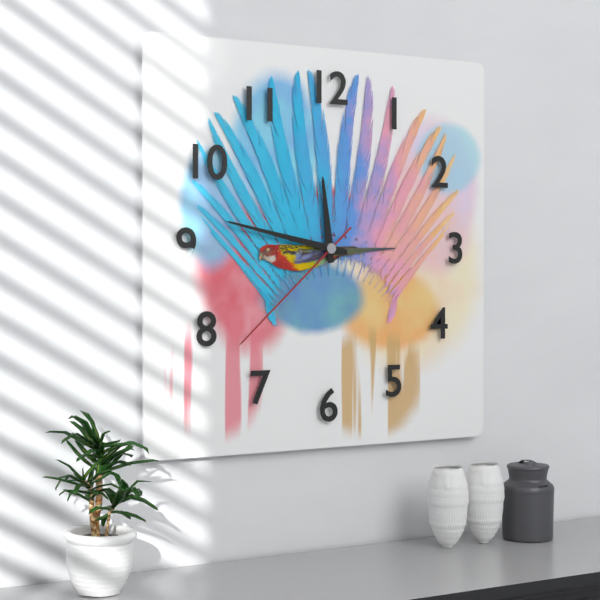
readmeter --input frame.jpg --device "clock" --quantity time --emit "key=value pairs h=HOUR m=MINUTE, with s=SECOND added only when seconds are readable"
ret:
h=11 m=47 s=38
